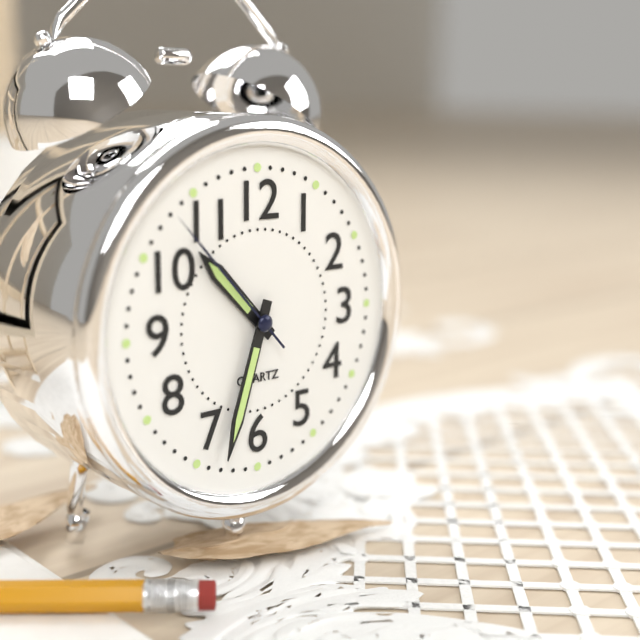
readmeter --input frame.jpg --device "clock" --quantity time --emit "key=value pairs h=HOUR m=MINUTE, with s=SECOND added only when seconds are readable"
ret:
h=10 m=33 s=53
